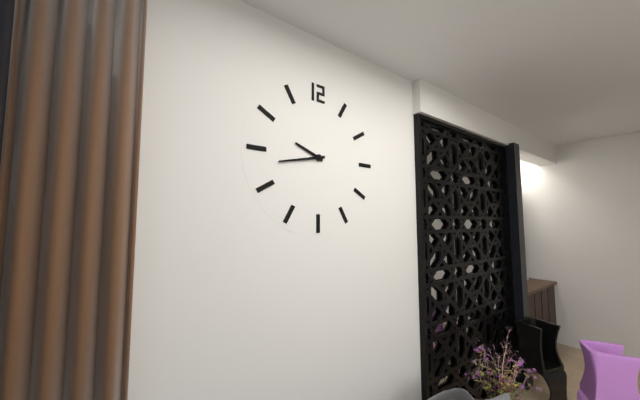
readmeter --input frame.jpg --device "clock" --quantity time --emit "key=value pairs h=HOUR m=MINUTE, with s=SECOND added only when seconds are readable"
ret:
h=9 m=43
